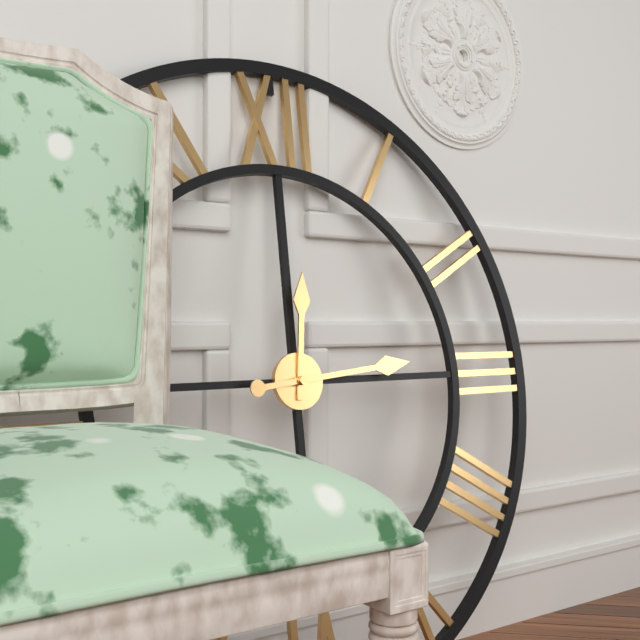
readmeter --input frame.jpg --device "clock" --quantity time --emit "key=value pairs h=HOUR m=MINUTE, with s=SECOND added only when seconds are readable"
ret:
h=12 m=14
